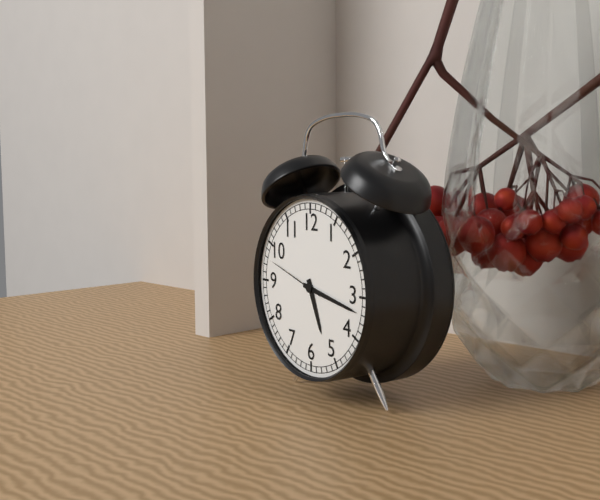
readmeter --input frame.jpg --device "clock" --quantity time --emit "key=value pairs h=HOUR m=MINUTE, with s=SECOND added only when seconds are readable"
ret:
h=5 m=17 s=48
